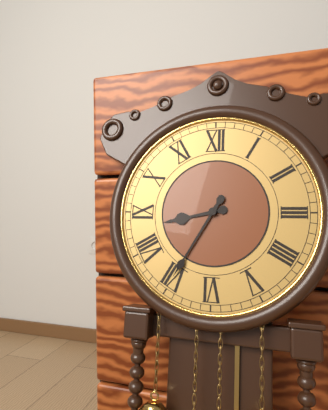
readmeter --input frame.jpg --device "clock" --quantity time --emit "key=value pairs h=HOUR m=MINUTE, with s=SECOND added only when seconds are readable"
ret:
h=8 m=35
